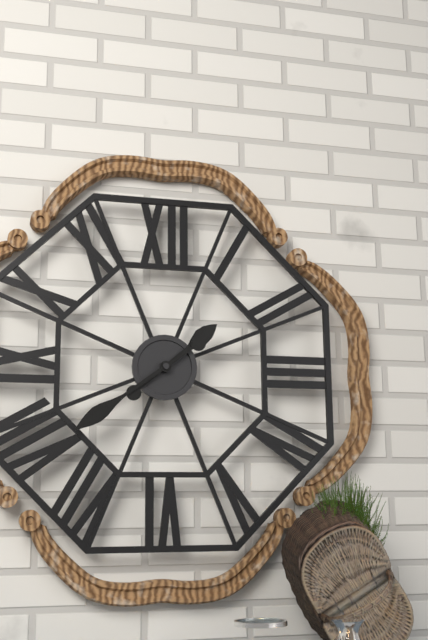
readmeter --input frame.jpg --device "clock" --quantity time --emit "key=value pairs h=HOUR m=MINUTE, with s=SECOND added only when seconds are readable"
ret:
h=1 m=39
